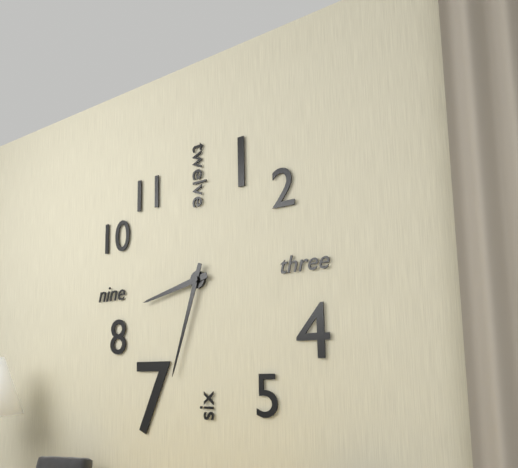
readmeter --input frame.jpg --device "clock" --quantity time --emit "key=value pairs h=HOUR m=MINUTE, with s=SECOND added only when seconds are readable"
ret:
h=8 m=33
